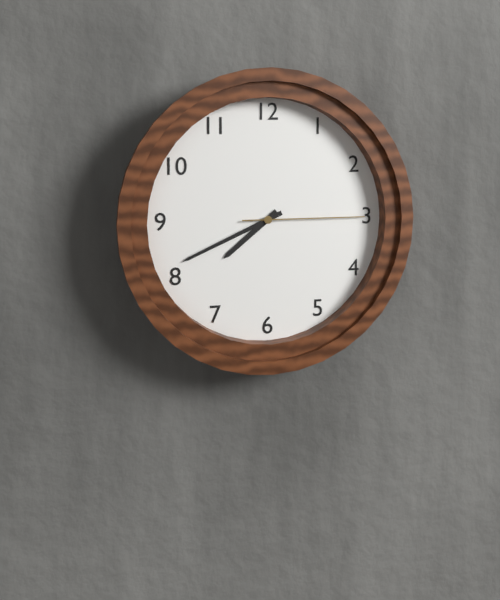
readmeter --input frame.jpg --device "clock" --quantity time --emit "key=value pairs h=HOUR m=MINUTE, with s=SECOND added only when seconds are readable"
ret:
h=7 m=41 s=15
